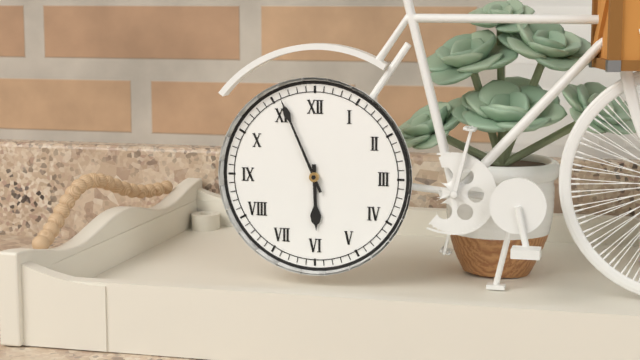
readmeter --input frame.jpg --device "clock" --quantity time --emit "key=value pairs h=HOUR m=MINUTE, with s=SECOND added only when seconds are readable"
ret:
h=5 m=56
